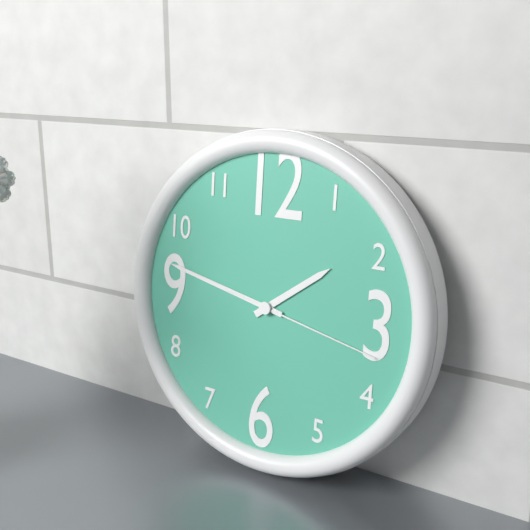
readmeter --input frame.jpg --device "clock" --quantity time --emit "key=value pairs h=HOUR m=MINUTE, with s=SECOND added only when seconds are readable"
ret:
h=1 m=47 s=17
